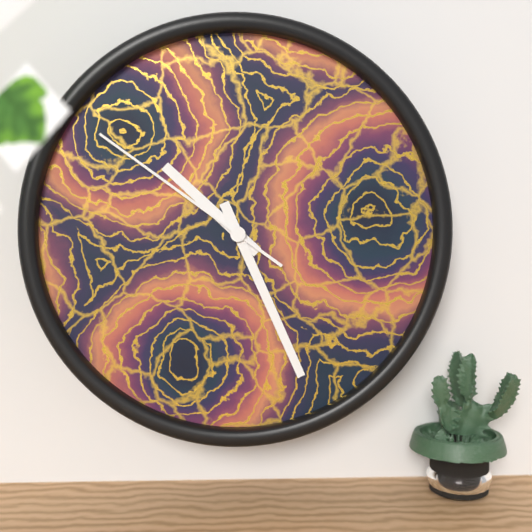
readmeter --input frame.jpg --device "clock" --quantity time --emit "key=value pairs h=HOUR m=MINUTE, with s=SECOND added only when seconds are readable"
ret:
h=10 m=26 s=51
